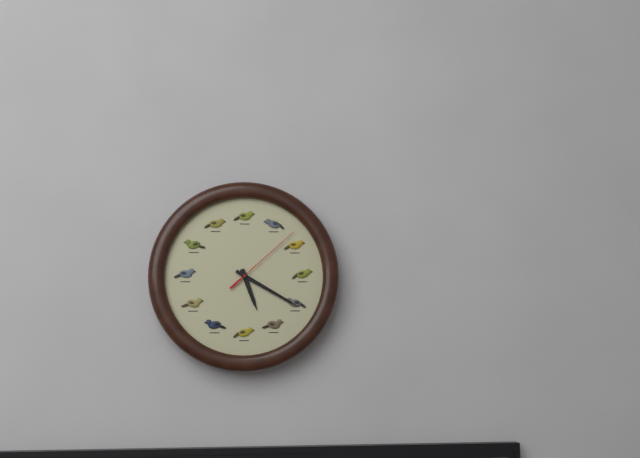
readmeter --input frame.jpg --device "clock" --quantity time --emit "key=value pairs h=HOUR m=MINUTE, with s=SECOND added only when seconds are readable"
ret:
h=5 m=20 s=8
